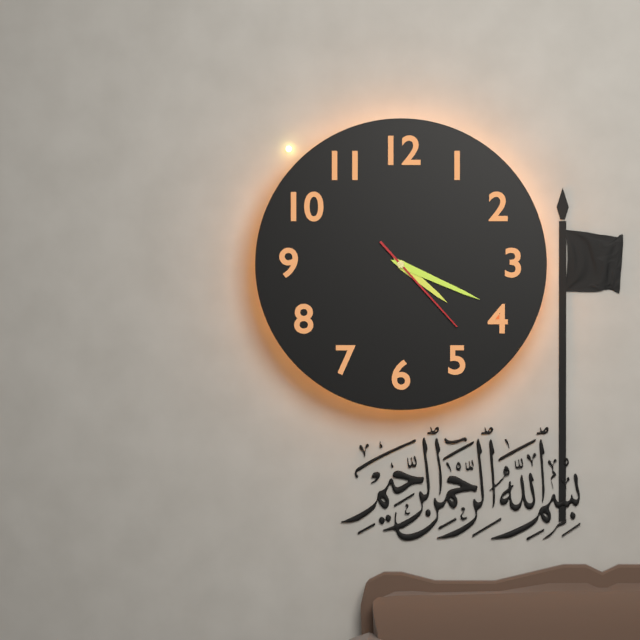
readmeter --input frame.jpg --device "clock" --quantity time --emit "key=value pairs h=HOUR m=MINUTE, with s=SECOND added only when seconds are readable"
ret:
h=4 m=19 s=23
